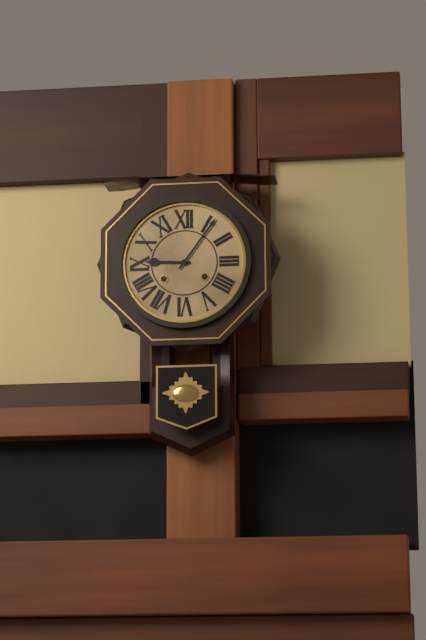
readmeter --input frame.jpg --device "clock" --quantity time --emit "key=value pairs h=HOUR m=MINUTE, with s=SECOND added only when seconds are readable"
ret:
h=9 m=6
